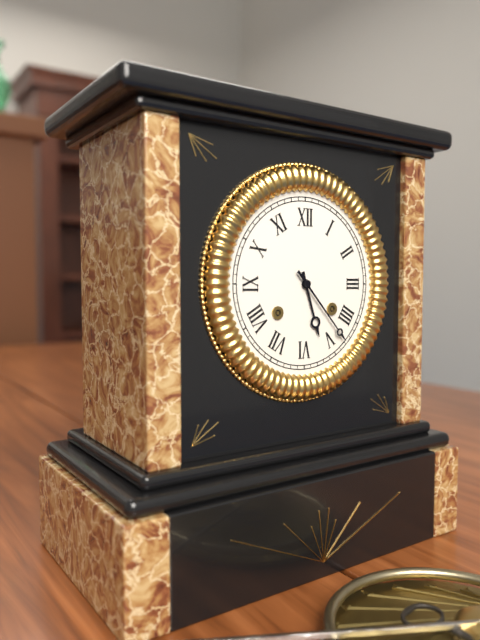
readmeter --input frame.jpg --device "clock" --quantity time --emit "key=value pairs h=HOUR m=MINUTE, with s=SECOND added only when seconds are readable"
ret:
h=5 m=23
